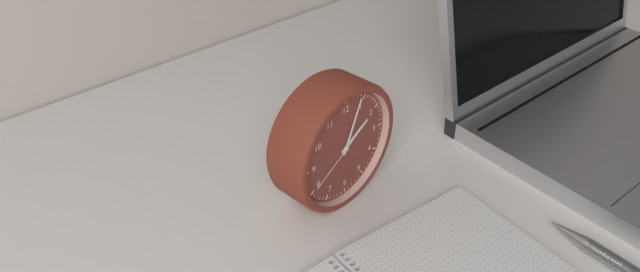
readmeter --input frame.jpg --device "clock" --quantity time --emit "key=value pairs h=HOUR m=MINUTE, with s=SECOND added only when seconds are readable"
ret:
h=2 m=4 s=40
